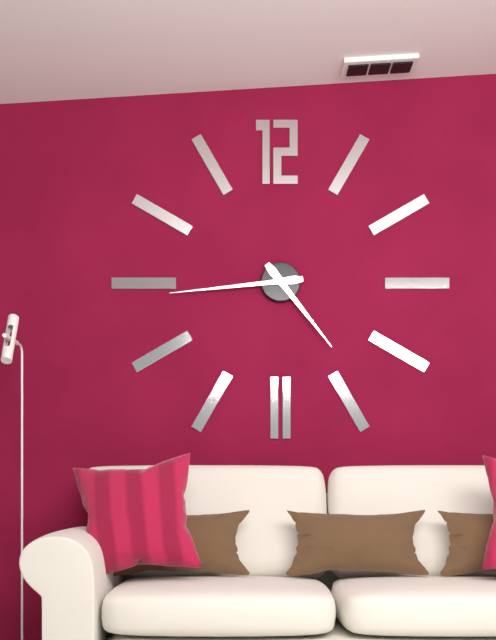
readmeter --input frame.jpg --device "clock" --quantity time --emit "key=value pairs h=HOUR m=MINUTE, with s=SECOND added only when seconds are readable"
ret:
h=4 m=44
